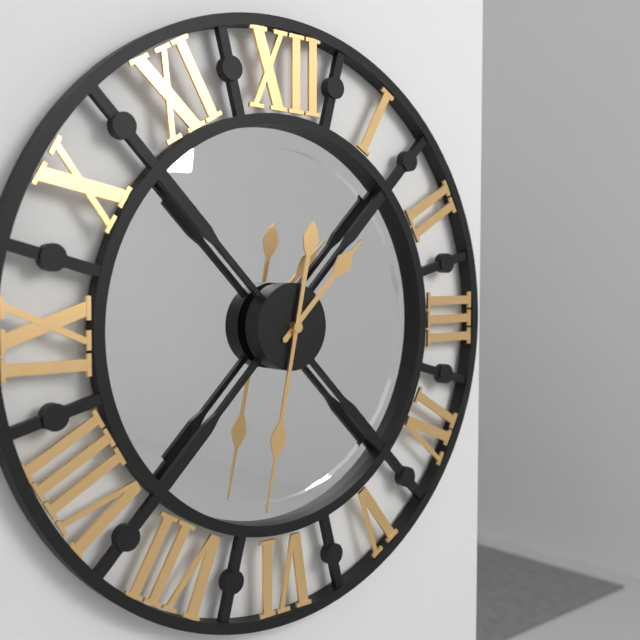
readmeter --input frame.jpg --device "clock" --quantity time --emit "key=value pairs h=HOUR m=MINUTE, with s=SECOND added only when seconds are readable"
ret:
h=1 m=32
